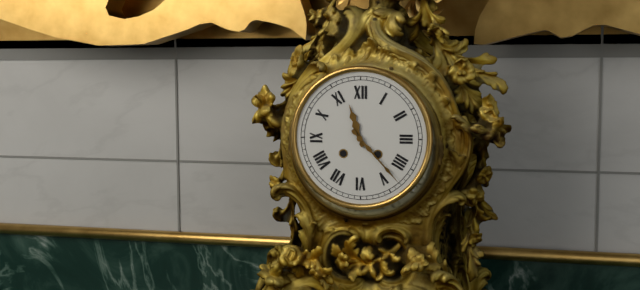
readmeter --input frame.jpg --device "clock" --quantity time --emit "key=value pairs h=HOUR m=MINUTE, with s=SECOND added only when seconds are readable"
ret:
h=11 m=23
